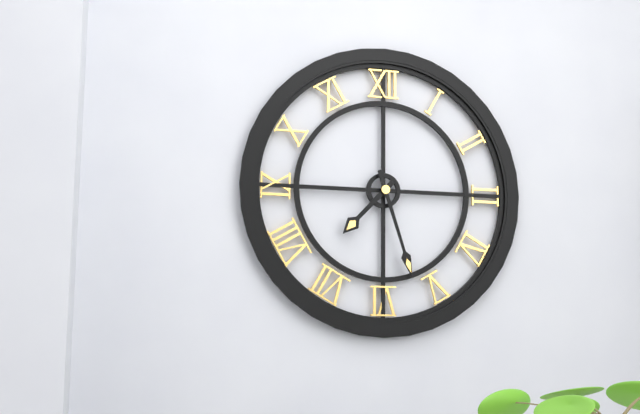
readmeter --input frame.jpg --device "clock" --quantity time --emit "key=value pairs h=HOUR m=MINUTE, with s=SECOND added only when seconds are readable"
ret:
h=7 m=27
